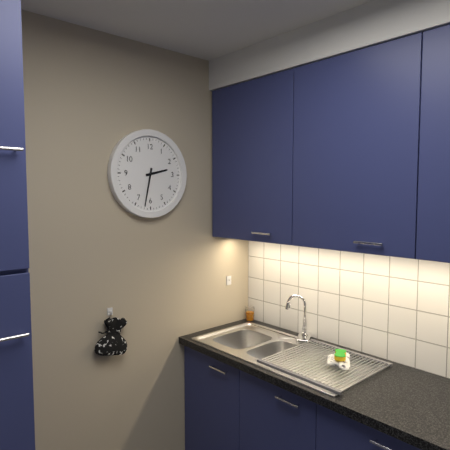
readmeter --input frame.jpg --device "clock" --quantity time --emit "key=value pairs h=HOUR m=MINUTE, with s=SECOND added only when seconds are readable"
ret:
h=2 m=32
